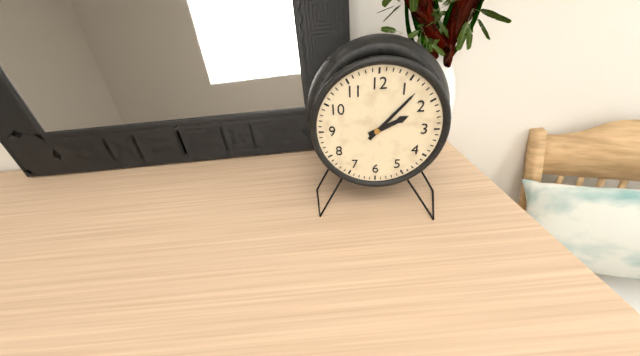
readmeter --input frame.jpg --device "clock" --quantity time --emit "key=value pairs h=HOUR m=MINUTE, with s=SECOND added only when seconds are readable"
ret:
h=2 m=7
